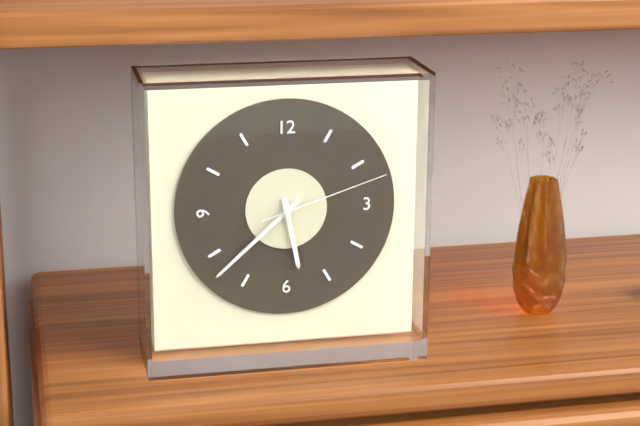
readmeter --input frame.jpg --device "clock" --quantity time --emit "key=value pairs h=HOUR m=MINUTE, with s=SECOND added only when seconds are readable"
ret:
h=5 m=38 s=12
